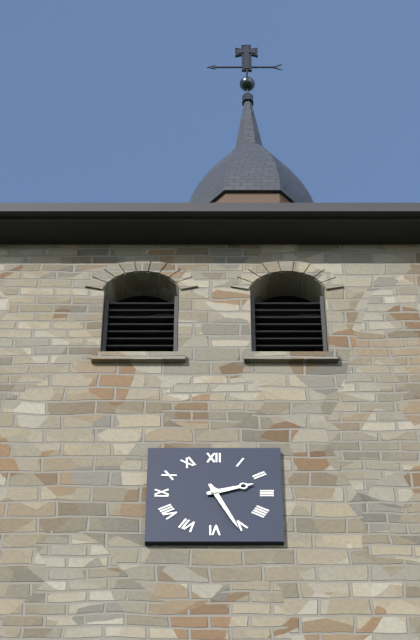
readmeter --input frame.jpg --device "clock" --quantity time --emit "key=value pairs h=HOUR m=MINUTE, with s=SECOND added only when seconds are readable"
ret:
h=2 m=26
